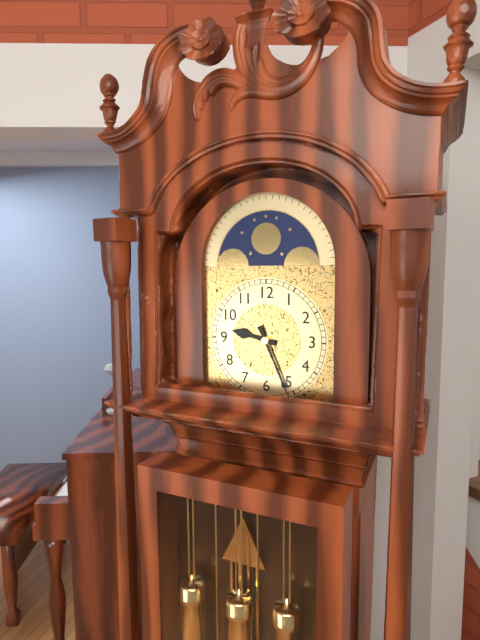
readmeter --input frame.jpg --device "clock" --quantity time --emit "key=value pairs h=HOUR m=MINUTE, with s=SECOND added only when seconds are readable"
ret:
h=9 m=26
